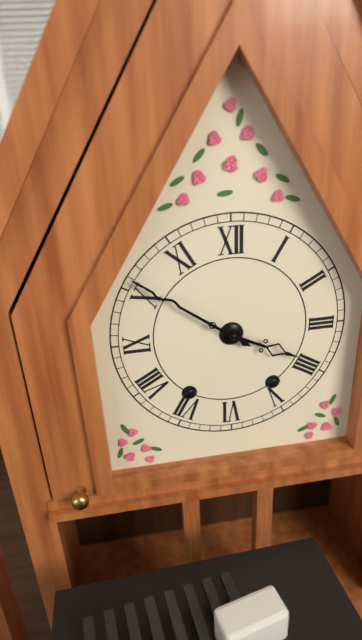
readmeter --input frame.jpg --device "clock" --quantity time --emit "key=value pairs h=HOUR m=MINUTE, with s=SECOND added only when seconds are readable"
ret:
h=3 m=51
